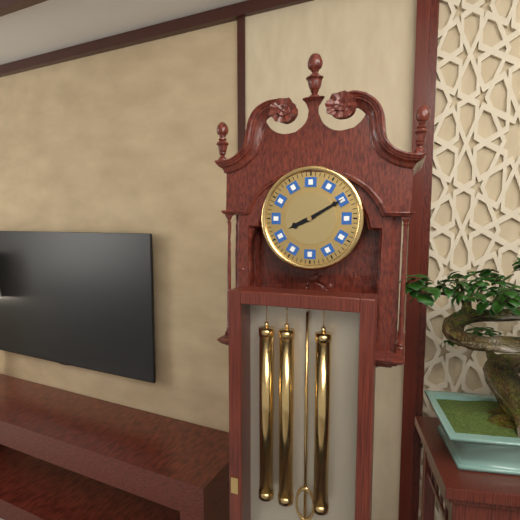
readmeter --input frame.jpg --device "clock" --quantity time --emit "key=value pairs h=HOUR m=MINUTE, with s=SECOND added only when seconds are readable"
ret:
h=8 m=10
